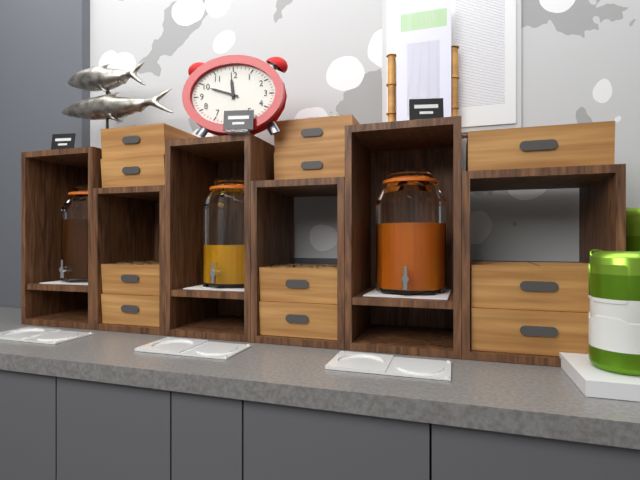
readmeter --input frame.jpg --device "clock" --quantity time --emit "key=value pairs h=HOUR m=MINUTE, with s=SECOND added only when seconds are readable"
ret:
h=11 m=48
